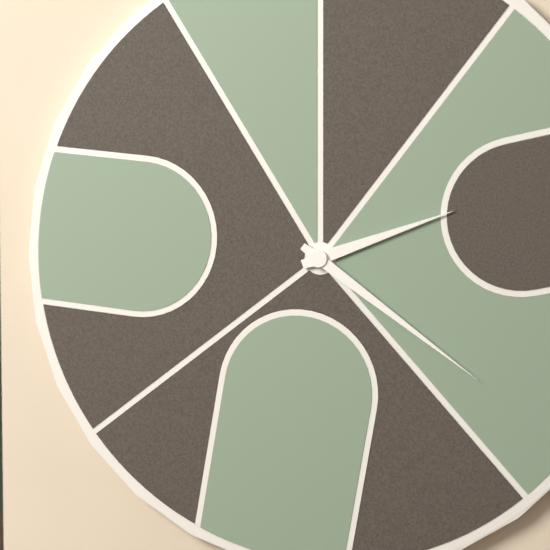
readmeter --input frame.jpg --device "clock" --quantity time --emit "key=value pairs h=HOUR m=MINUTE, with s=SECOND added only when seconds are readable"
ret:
h=2 m=21
